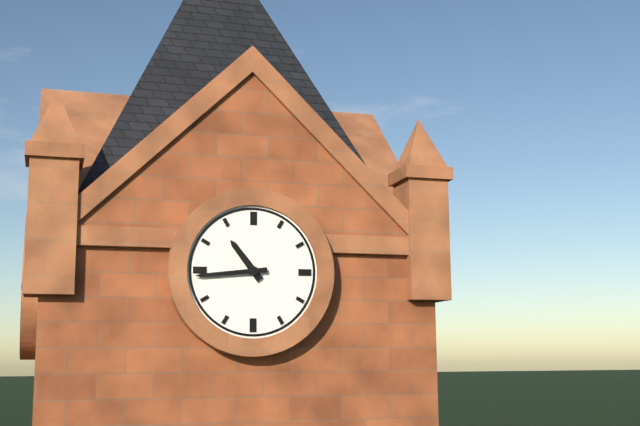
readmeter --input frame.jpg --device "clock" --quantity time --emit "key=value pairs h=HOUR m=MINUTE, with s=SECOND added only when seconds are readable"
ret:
h=10 m=44
